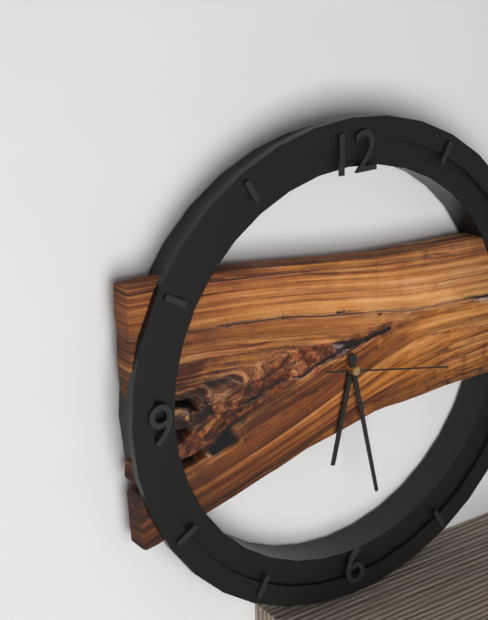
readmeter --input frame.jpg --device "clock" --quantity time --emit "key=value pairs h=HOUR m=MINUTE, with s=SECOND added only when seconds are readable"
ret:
h=6 m=28 s=17
